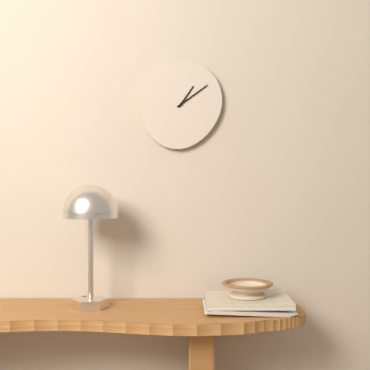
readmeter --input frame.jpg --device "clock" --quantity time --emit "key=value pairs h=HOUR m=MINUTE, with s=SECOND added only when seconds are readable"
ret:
h=1 m=9
